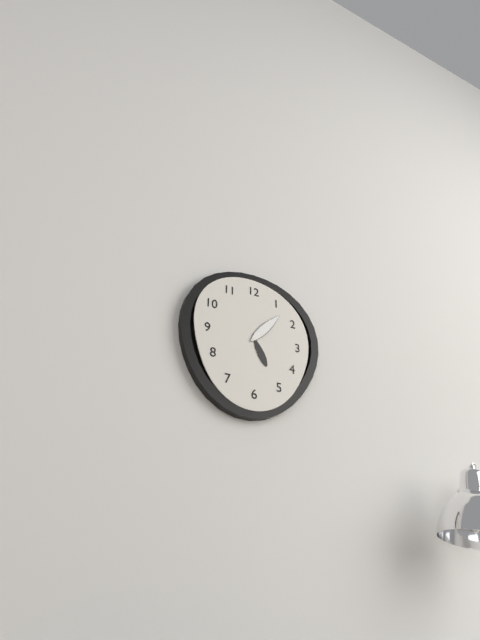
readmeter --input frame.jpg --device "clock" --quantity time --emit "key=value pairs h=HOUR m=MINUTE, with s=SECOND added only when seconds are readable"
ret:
h=5 m=7
